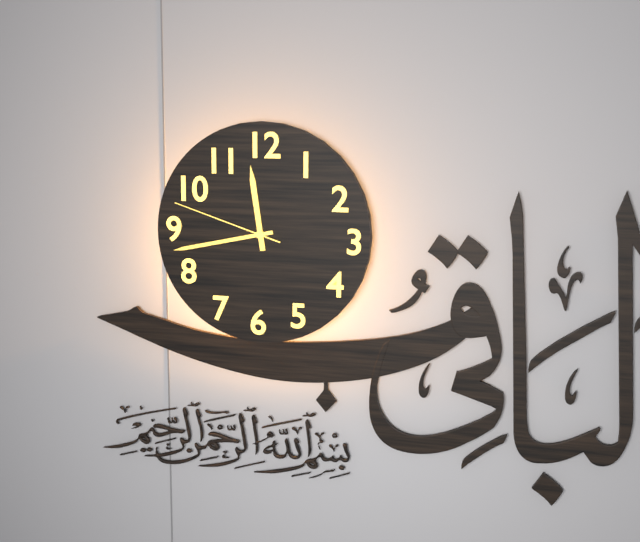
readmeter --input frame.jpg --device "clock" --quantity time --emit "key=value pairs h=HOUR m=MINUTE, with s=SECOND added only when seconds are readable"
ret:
h=11 m=43 s=48
